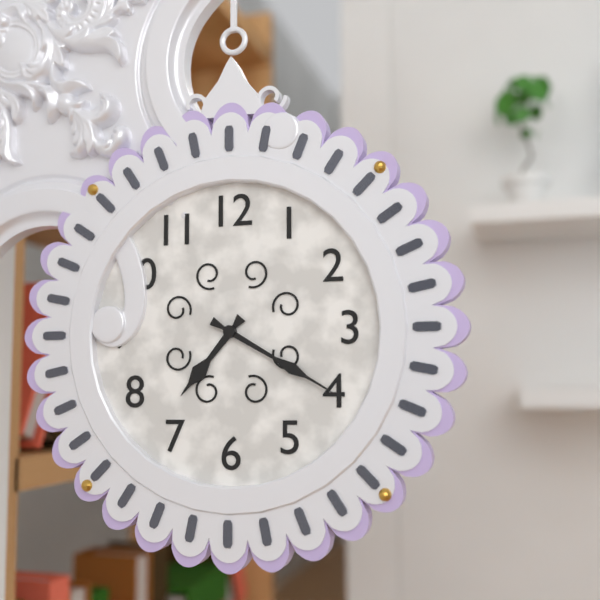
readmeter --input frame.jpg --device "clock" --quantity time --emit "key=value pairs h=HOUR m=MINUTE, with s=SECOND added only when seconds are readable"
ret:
h=7 m=20
